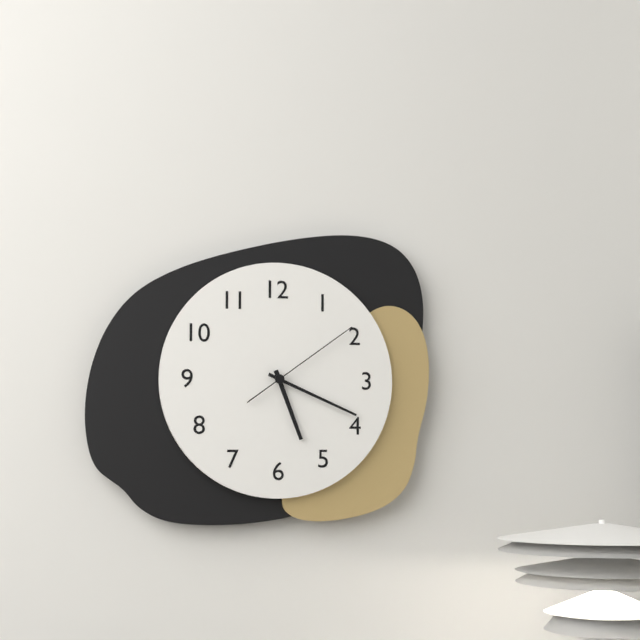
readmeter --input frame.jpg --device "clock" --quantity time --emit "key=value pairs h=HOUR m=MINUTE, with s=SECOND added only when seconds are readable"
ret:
h=5 m=19 s=9
